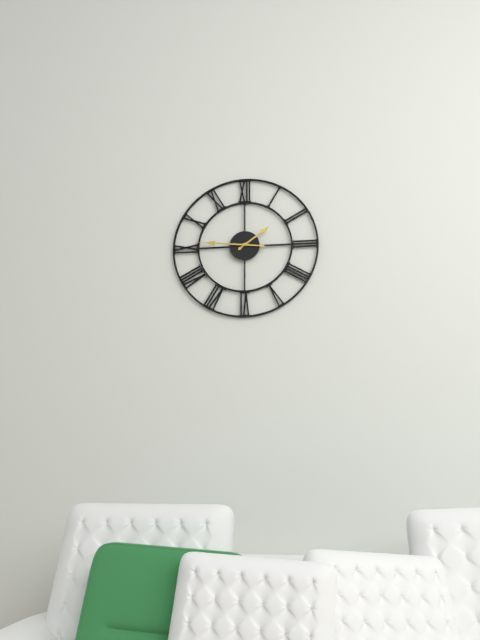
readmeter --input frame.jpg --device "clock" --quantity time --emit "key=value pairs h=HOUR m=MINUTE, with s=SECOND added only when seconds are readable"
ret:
h=1 m=46
